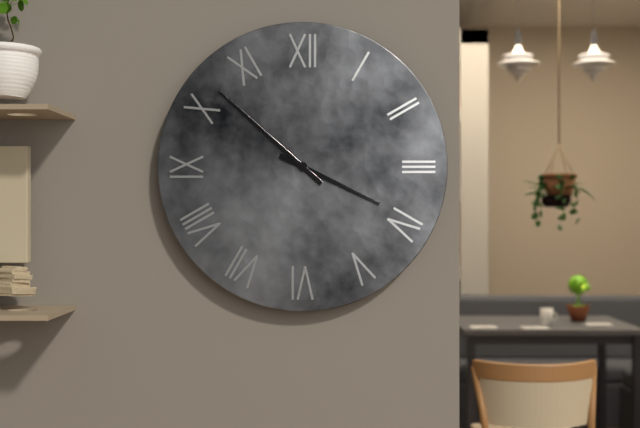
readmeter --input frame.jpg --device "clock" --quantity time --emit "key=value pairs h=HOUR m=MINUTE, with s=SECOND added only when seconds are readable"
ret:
h=3 m=52
